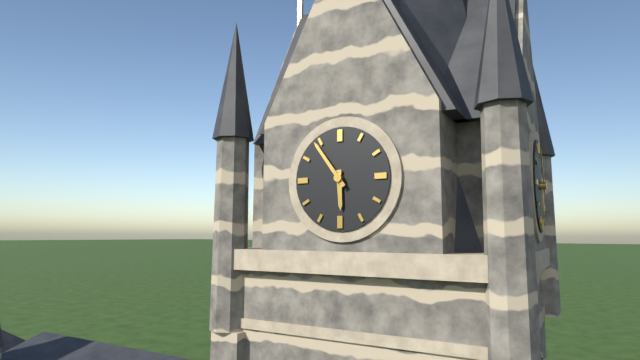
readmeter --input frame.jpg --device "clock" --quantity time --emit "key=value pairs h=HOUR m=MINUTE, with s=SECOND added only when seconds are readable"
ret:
h=5 m=54
